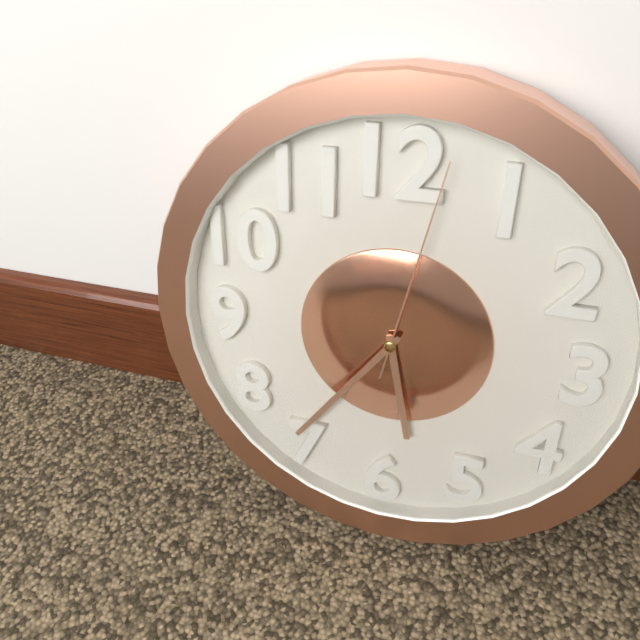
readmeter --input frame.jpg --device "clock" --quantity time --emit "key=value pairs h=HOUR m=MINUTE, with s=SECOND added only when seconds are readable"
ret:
h=5 m=36 s=2
